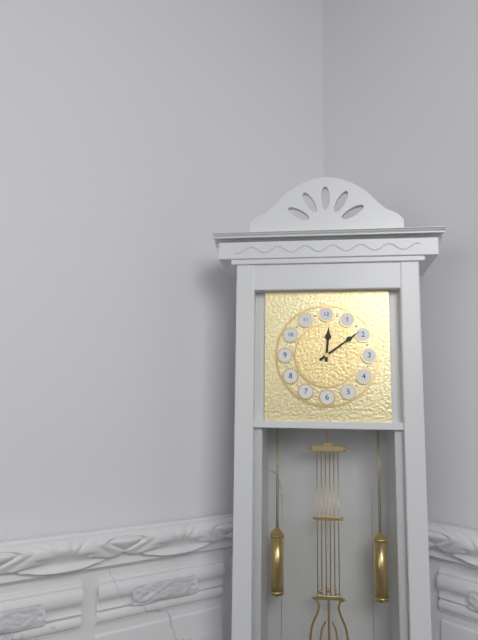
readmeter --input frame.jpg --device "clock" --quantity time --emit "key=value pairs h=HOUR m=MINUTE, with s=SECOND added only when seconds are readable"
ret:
h=12 m=9
